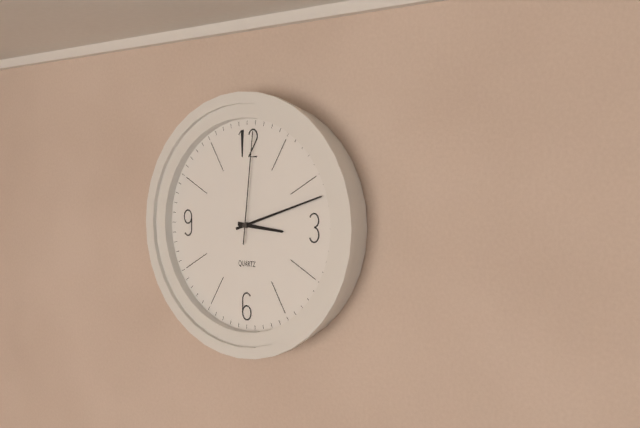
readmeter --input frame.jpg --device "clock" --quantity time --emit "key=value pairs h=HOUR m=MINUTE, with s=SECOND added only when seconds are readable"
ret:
h=3 m=12 s=1
